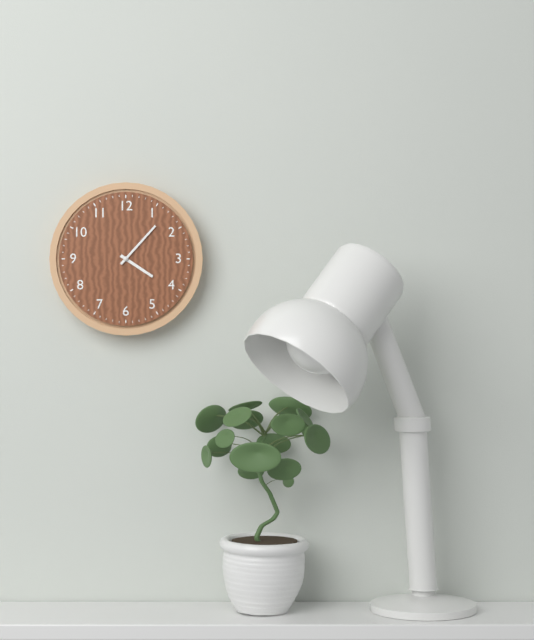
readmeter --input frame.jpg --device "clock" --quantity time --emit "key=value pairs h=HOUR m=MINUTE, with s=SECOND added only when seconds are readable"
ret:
h=4 m=7
